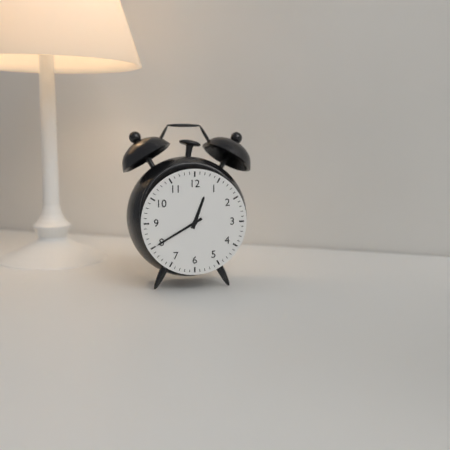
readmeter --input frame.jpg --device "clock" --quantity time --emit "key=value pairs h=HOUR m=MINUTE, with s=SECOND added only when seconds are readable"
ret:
h=12 m=40
